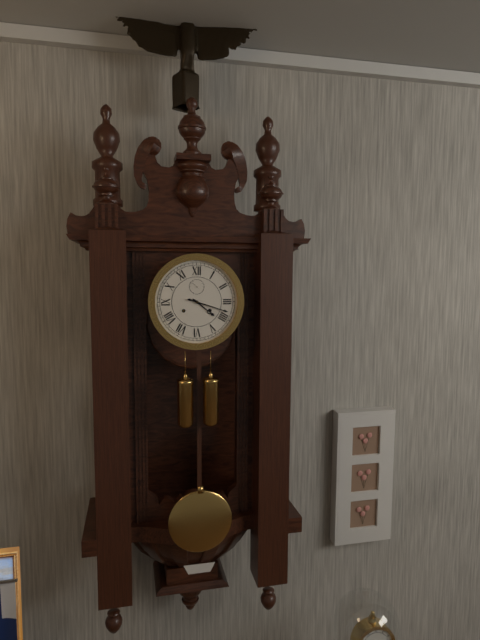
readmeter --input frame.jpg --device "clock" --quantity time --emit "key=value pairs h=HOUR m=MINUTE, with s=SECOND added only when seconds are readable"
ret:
h=4 m=18
